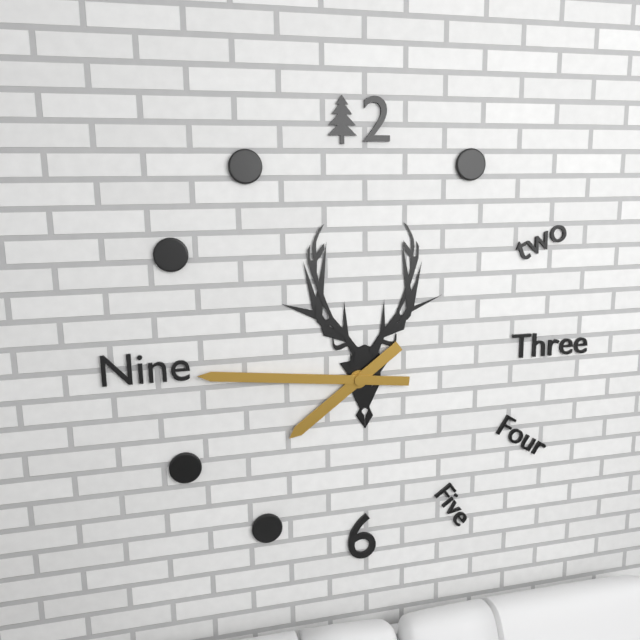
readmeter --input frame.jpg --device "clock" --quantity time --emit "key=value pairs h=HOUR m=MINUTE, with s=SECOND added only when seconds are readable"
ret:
h=7 m=46
